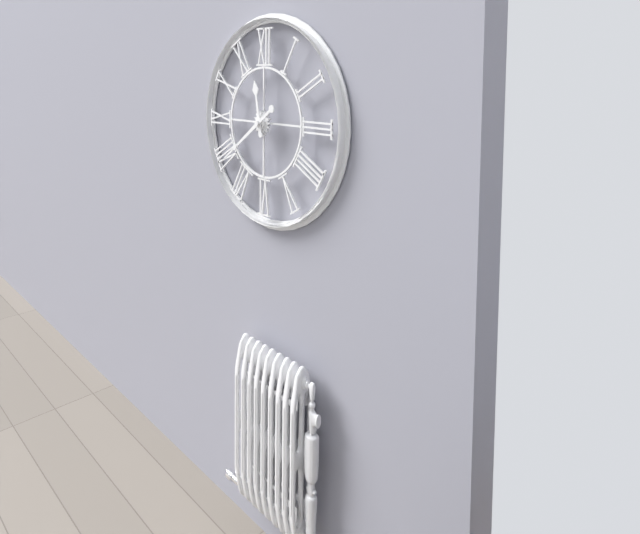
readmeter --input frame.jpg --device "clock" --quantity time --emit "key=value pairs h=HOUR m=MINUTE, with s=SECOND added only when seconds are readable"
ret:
h=11 m=39
